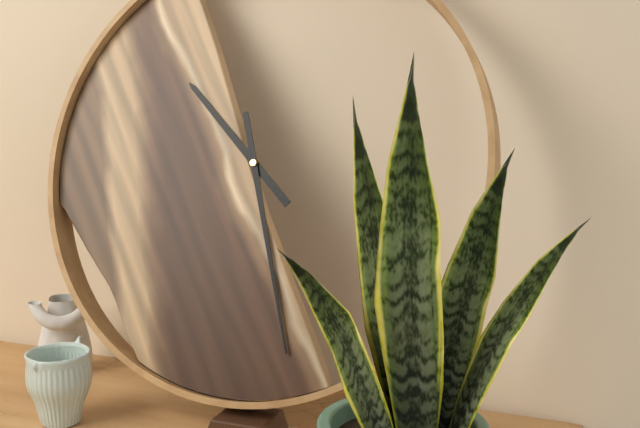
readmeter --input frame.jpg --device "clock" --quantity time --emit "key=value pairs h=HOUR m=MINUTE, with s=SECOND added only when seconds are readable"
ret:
h=10 m=27
